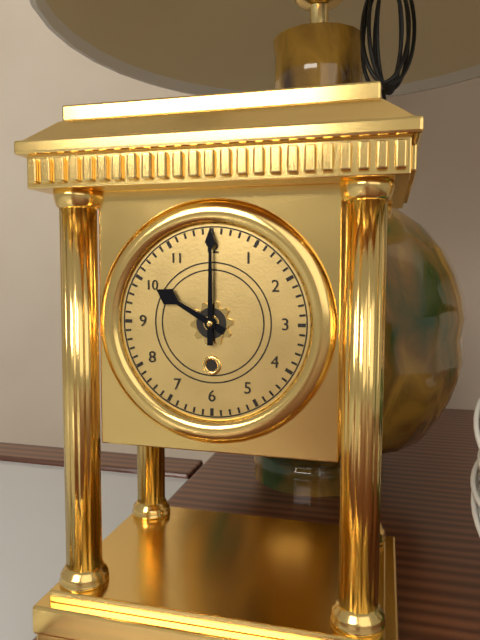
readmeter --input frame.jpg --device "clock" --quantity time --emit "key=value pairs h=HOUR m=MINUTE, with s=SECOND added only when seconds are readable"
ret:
h=10 m=0
